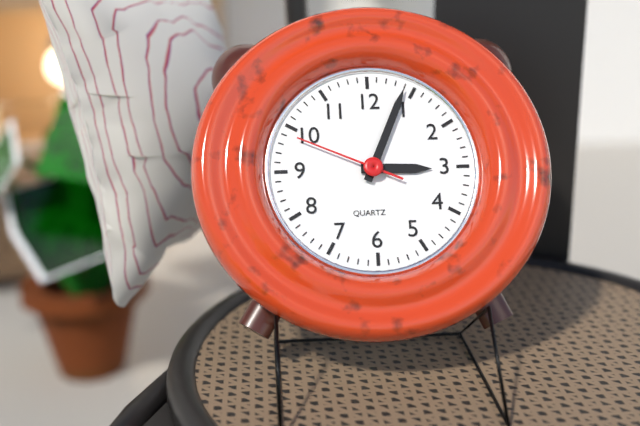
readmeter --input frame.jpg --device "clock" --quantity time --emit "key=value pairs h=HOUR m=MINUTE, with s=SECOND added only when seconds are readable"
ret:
h=3 m=4 s=49
